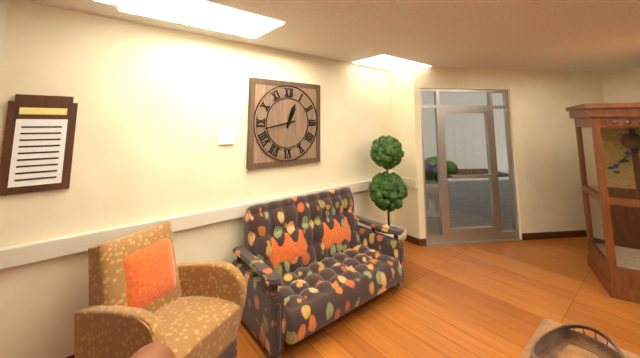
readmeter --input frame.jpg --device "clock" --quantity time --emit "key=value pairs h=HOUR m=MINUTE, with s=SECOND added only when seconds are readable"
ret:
h=12 m=43
